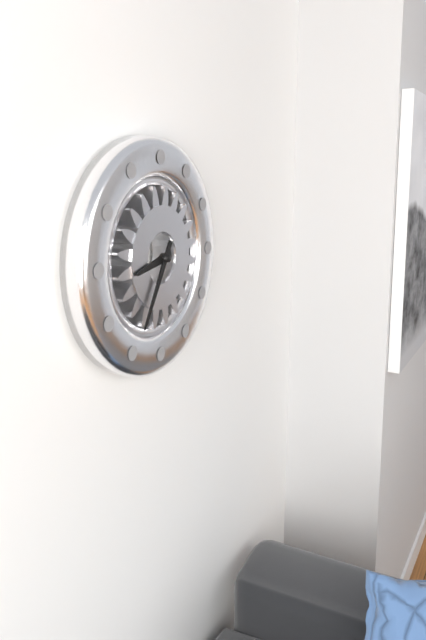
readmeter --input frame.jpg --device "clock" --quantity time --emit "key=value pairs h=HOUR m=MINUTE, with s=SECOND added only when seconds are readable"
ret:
h=8 m=35
